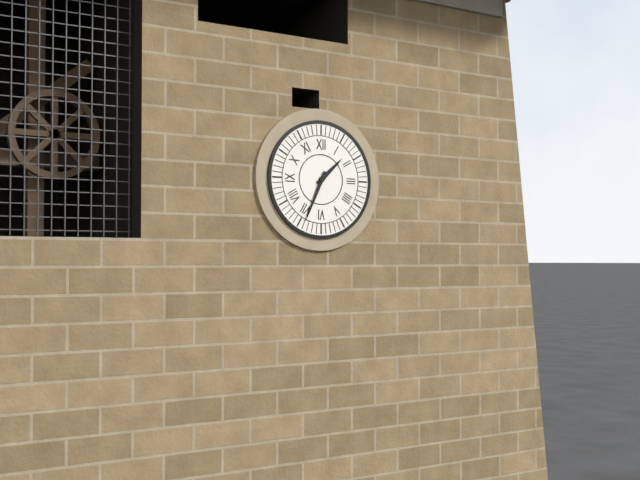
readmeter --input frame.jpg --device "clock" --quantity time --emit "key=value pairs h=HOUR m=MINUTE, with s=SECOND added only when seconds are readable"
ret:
h=1 m=34
